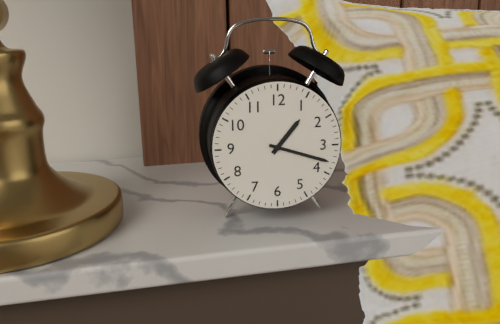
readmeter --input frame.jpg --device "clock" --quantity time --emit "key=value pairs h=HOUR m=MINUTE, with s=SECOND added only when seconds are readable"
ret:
h=1 m=18
